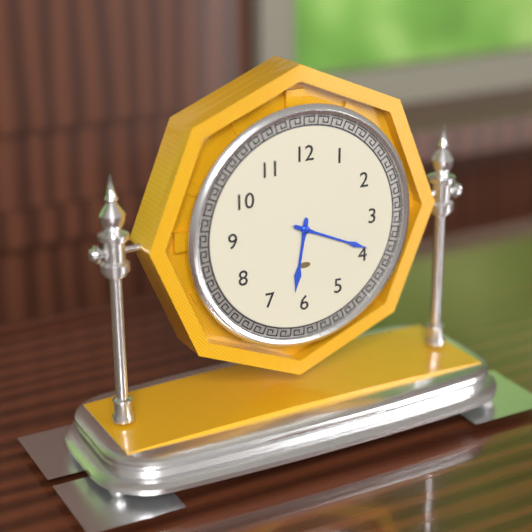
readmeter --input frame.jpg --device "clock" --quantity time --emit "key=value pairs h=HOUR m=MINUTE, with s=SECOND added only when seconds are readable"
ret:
h=6 m=19
